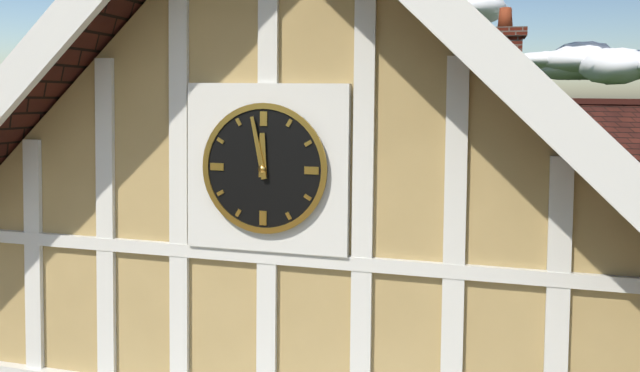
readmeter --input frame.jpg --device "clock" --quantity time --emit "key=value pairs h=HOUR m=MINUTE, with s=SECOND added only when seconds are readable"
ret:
h=11 m=58
